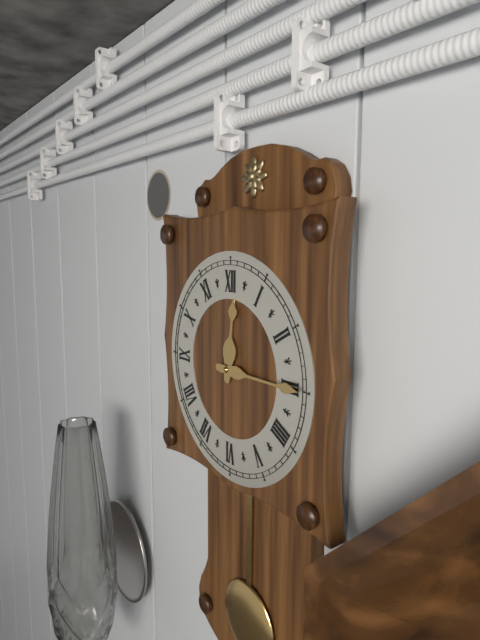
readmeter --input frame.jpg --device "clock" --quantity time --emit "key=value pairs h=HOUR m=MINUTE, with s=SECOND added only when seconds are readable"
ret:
h=12 m=15
